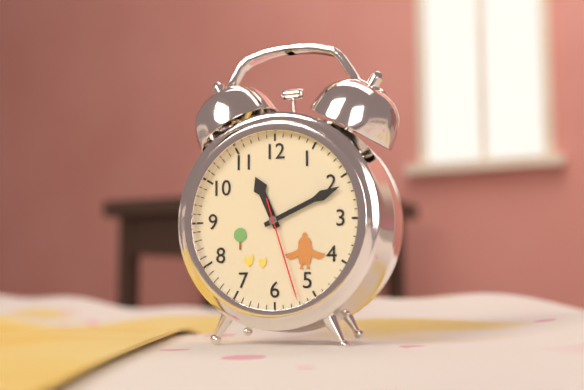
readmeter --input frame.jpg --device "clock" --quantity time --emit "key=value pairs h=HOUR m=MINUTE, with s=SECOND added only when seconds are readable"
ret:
h=11 m=11 s=27
